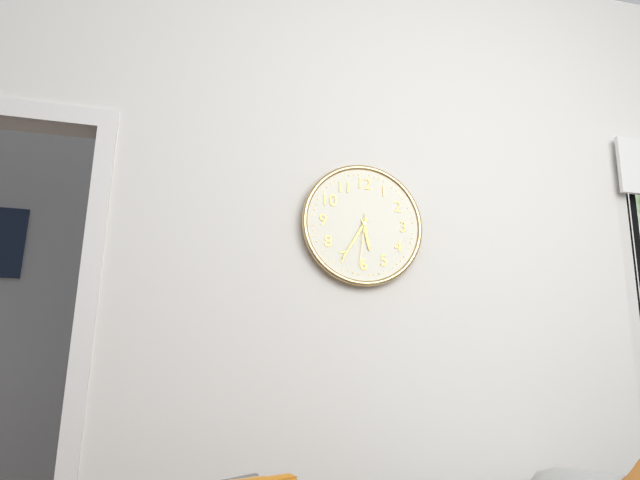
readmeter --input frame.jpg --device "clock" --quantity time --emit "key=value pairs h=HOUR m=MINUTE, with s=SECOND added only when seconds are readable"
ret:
h=5 m=35 s=31
